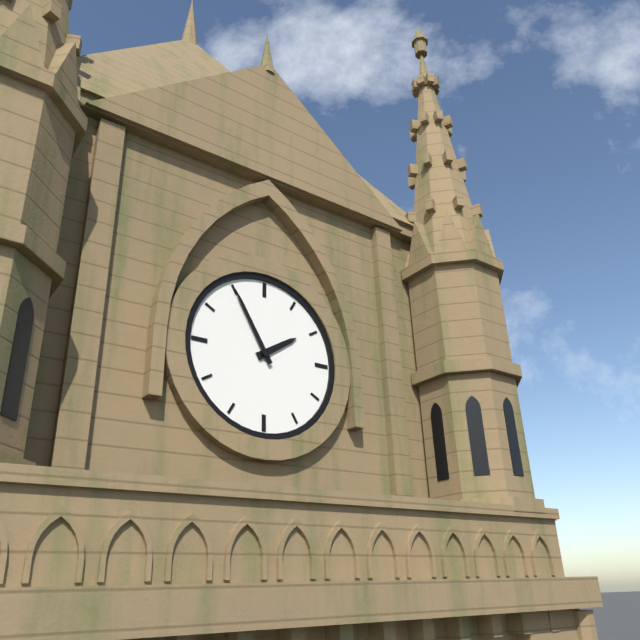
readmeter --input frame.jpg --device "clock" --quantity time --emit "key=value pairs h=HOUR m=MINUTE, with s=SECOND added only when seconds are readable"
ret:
h=1 m=55
